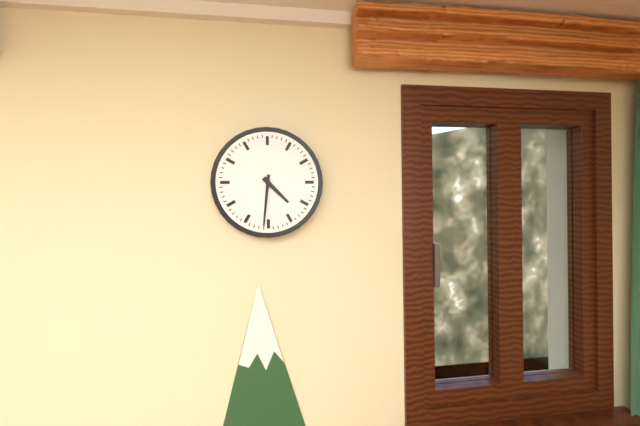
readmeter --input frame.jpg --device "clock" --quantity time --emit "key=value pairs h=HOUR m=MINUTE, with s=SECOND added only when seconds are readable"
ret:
h=4 m=31
